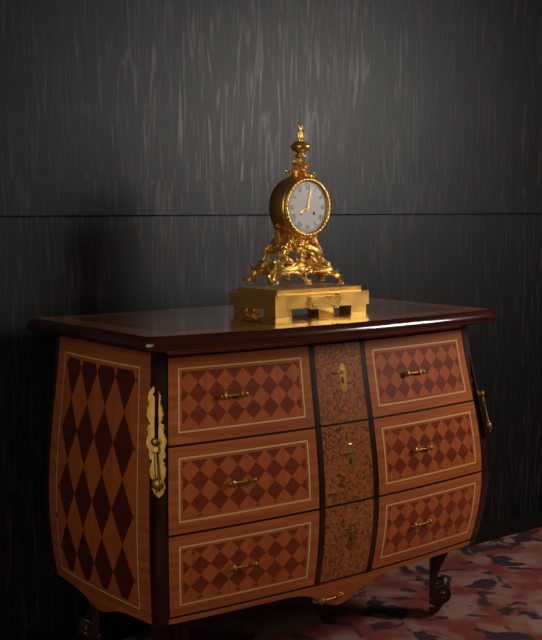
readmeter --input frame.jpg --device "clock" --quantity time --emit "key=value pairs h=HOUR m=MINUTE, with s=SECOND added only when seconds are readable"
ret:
h=8 m=2
